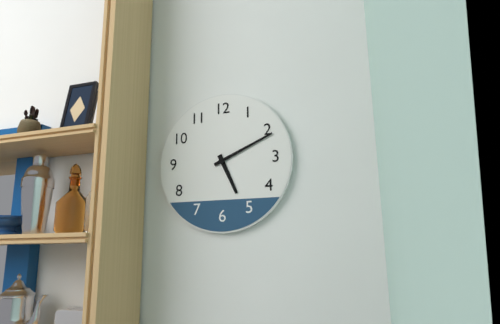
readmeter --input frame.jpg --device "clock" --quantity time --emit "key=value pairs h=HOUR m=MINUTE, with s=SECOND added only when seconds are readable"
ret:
h=5 m=11
